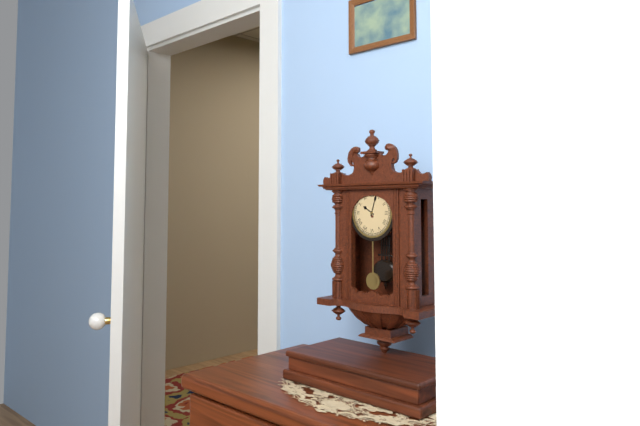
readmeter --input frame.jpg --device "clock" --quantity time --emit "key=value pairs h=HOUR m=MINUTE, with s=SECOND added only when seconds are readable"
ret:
h=10 m=3
